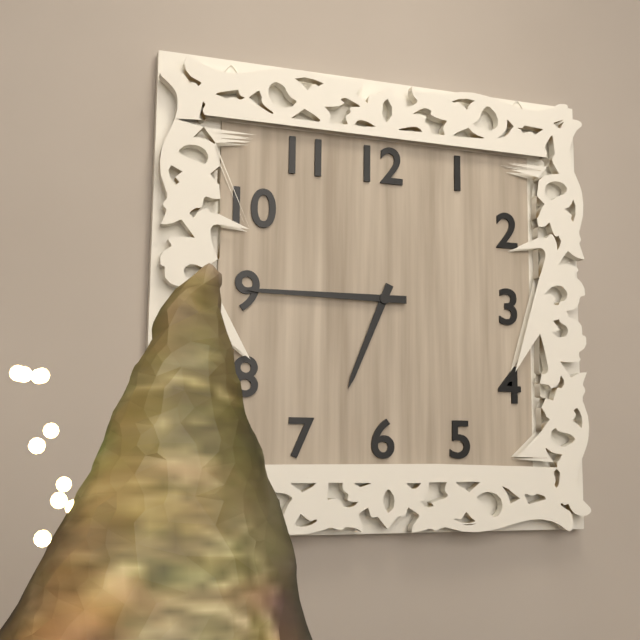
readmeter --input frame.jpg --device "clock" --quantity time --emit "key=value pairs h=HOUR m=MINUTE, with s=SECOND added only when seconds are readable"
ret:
h=6 m=45
